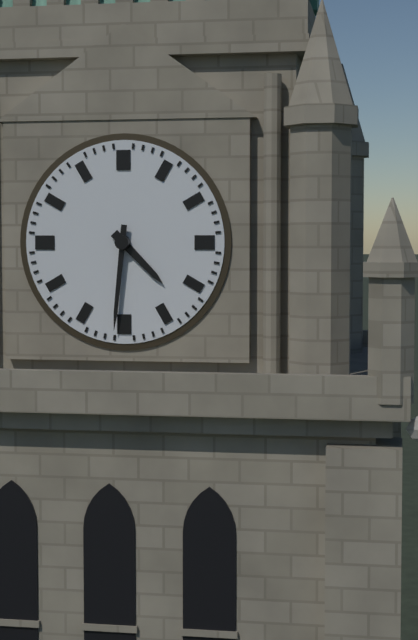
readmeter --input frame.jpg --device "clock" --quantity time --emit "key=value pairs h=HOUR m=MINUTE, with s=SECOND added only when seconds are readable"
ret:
h=4 m=31
